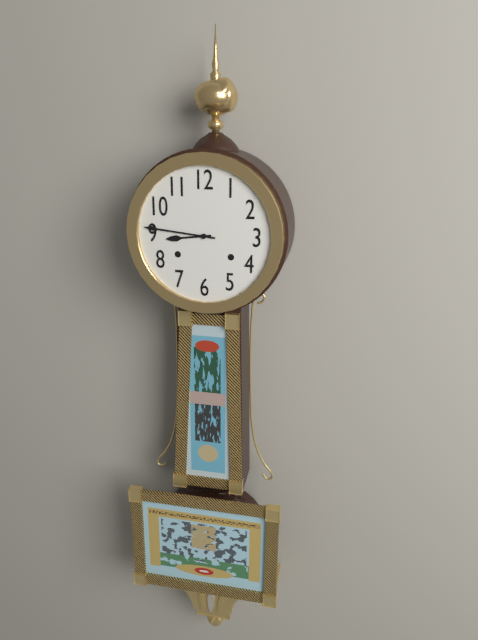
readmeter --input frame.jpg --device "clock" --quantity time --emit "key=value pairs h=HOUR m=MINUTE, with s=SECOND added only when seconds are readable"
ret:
h=8 m=46
